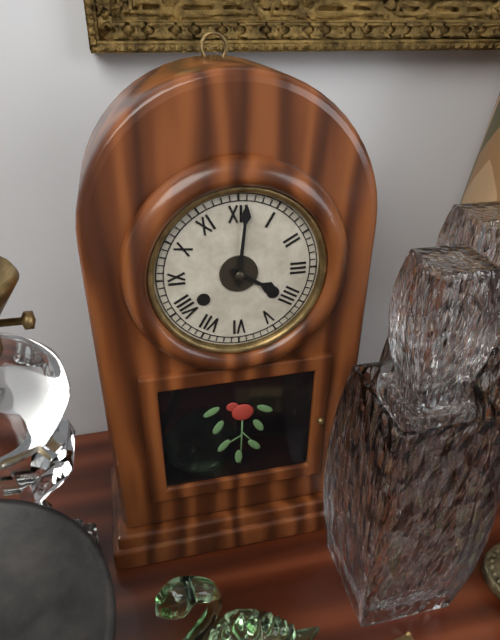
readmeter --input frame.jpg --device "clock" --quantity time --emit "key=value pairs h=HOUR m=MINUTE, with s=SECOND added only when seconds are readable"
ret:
h=4 m=1
